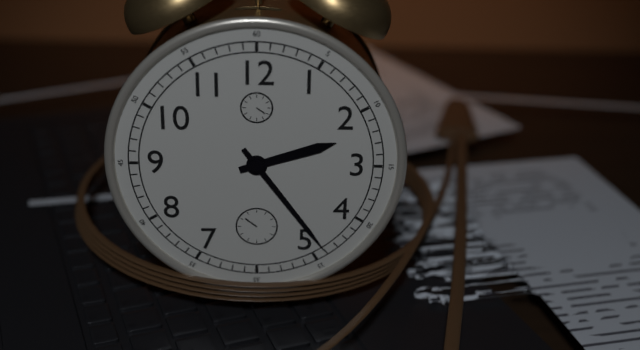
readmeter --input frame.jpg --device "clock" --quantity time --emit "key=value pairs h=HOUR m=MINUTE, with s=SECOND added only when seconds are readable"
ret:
h=2 m=24
